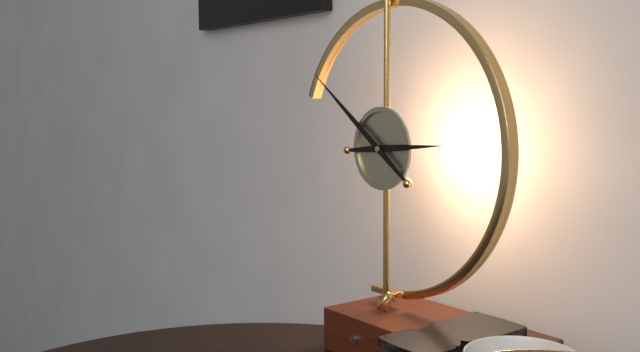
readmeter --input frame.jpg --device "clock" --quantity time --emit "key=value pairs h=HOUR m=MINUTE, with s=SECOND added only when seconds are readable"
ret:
h=2 m=51
